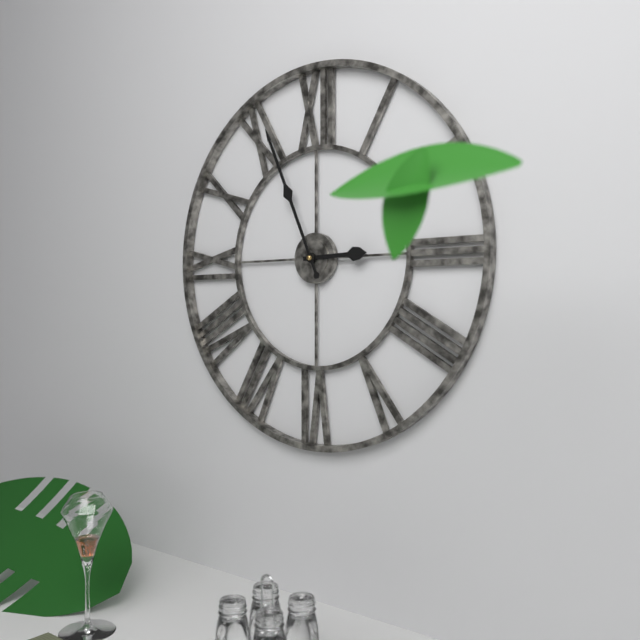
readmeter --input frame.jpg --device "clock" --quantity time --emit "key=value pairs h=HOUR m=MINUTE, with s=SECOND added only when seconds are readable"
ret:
h=2 m=56
